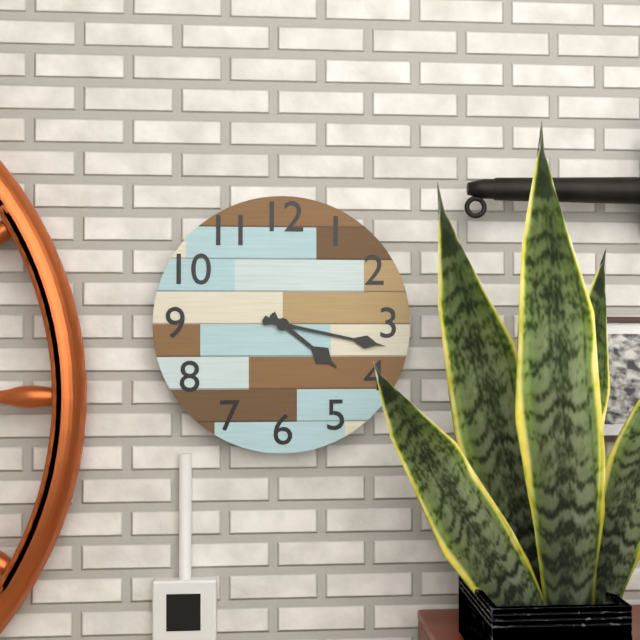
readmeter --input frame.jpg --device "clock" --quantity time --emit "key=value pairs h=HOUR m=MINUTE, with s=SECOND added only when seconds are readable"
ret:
h=4 m=17
